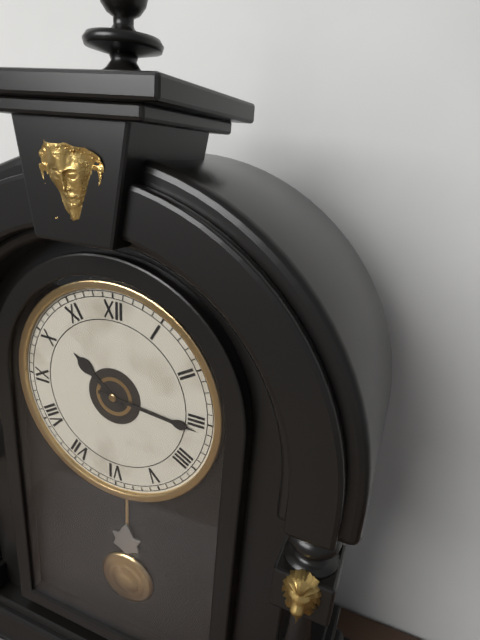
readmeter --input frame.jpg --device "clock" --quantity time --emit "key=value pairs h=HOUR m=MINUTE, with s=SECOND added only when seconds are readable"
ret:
h=10 m=16
